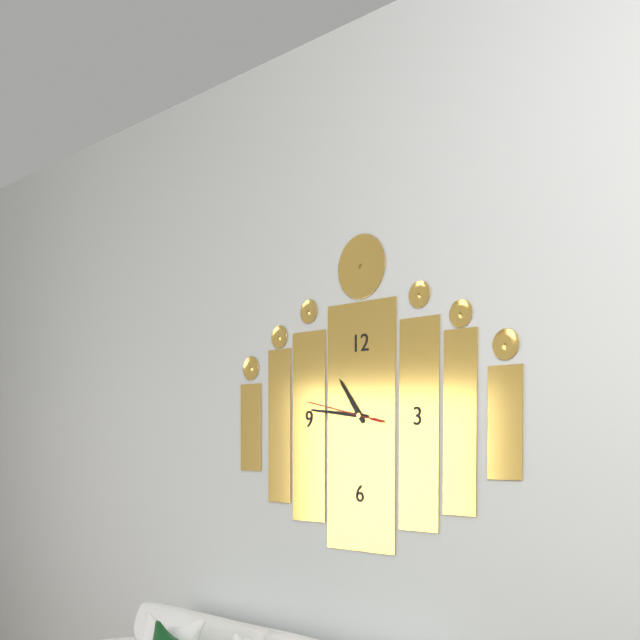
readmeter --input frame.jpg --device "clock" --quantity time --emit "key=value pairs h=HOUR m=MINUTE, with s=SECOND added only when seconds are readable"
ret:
h=10 m=46 s=47
